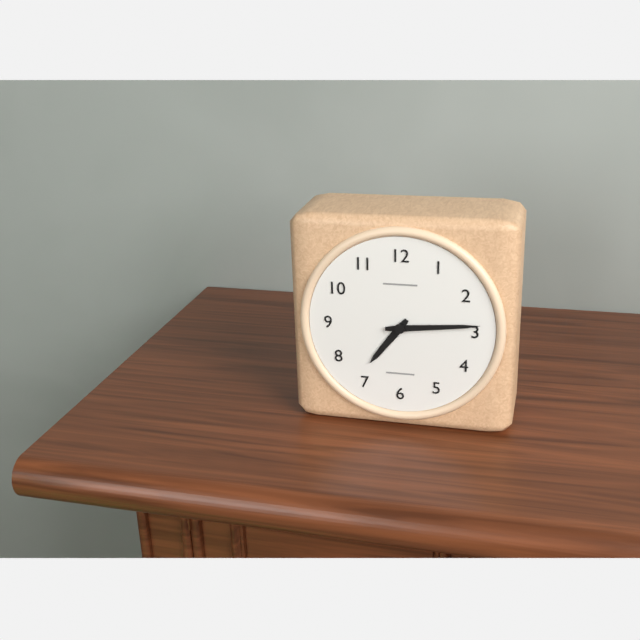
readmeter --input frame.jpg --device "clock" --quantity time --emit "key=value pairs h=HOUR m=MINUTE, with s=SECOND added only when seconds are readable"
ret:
h=7 m=14
